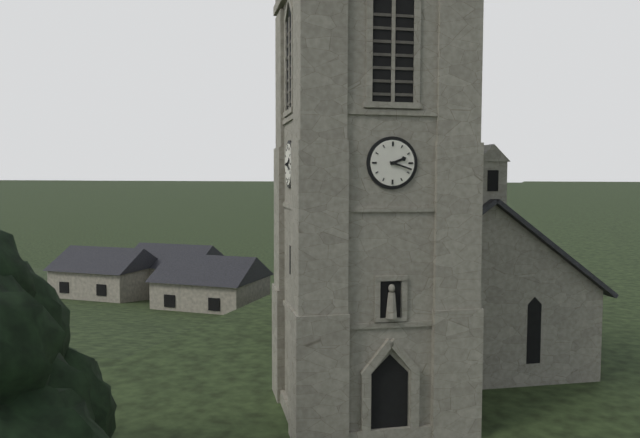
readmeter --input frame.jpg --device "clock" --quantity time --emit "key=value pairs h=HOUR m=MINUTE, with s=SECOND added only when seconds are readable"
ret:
h=2 m=18
